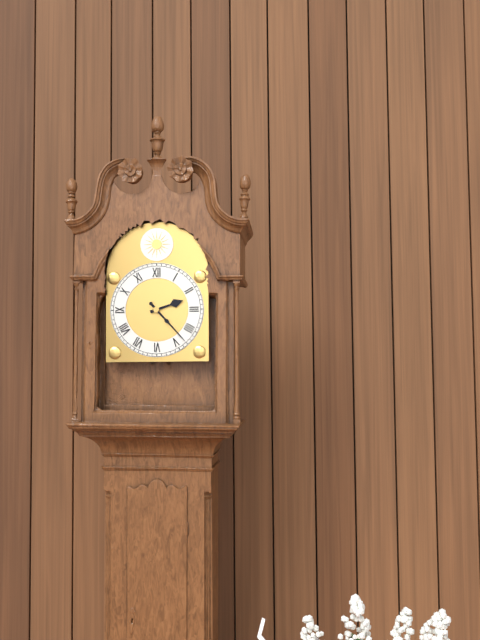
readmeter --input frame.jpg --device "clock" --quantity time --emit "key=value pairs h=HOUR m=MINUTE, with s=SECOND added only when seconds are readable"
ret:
h=2 m=23
